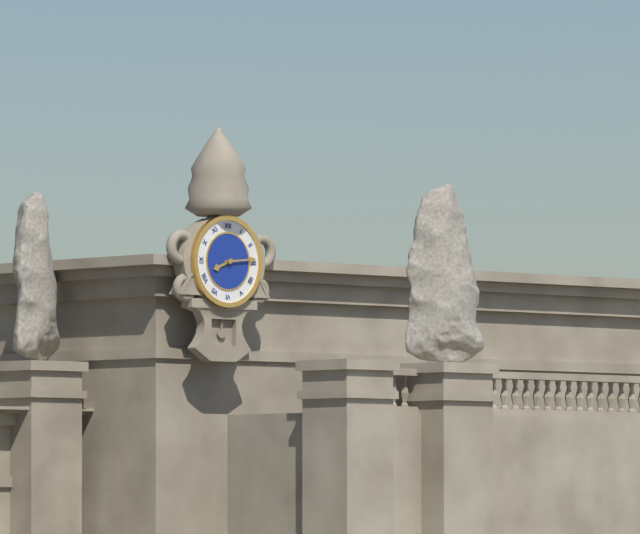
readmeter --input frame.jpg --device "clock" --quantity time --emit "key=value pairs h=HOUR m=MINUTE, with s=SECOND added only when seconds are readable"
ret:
h=8 m=14
